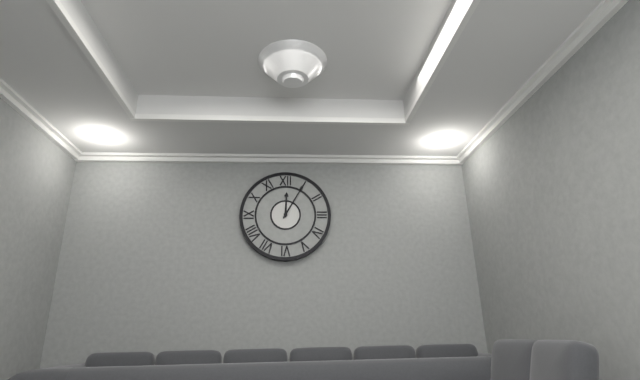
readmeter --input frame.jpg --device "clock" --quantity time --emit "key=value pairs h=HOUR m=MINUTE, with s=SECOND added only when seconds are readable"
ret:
h=12 m=5
